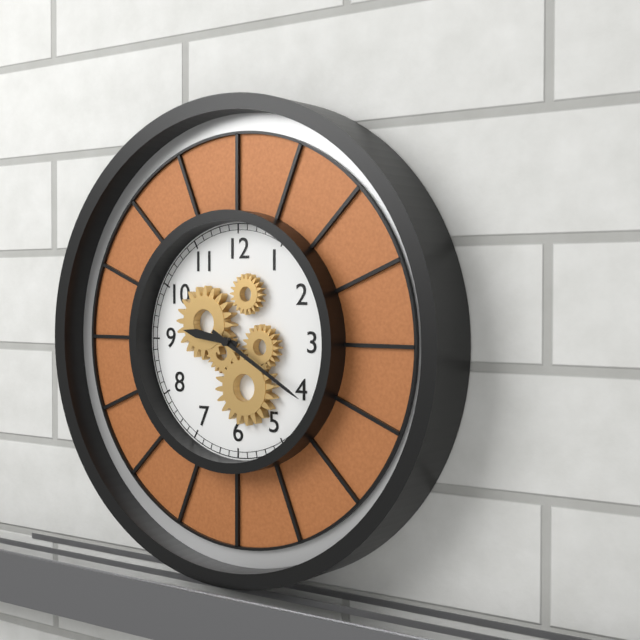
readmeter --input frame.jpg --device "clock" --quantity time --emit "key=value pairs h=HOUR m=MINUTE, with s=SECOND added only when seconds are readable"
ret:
h=9 m=20
